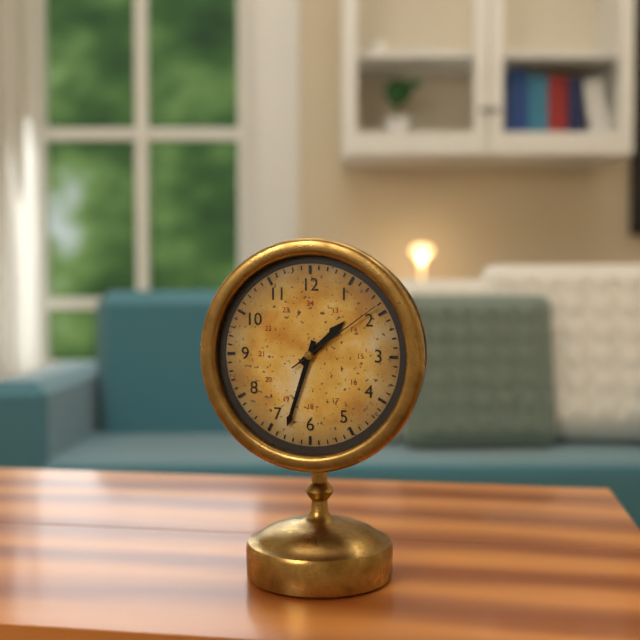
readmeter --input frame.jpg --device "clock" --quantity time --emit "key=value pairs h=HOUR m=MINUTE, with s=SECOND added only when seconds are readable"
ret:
h=1 m=33 s=9
